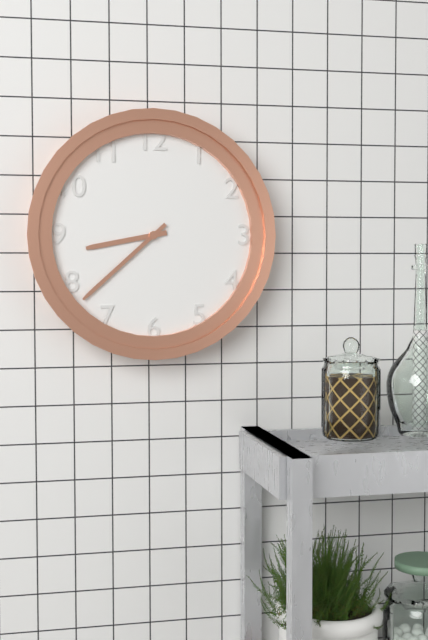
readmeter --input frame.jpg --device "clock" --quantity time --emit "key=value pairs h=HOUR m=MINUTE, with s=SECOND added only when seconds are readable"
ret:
h=8 m=38
